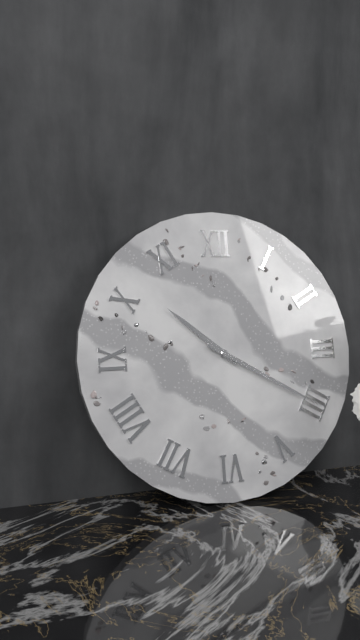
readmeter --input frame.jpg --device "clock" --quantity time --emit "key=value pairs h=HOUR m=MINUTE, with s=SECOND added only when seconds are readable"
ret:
h=10 m=20
